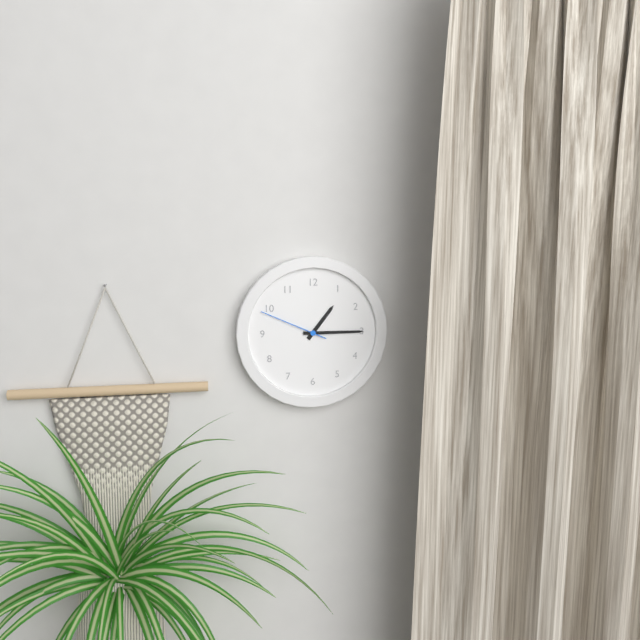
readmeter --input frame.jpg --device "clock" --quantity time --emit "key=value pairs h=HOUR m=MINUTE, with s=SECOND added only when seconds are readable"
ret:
h=1 m=15 s=49
